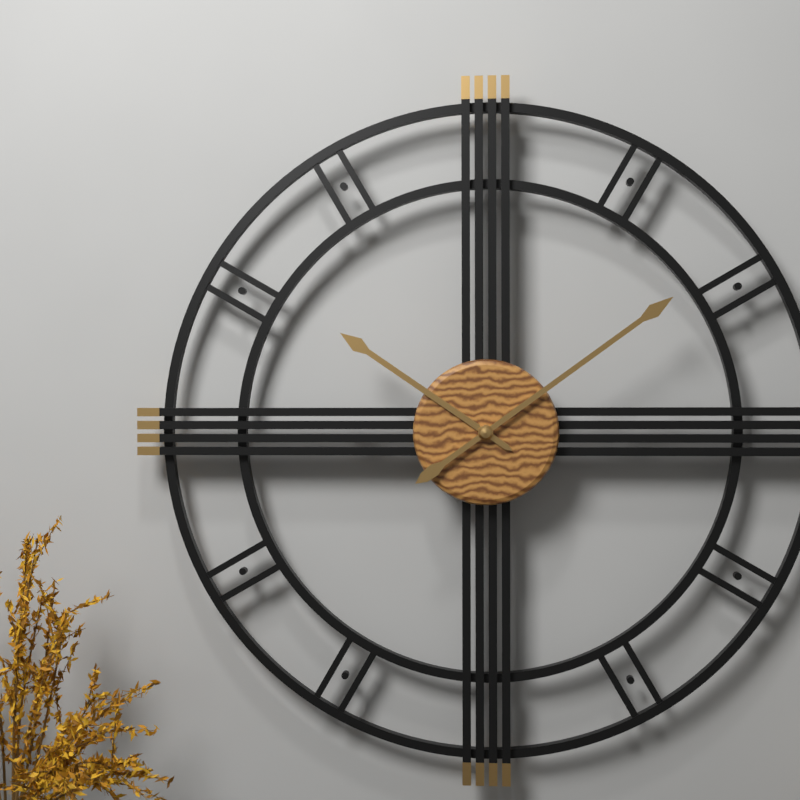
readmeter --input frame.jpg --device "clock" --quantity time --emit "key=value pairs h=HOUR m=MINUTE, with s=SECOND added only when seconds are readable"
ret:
h=10 m=9
